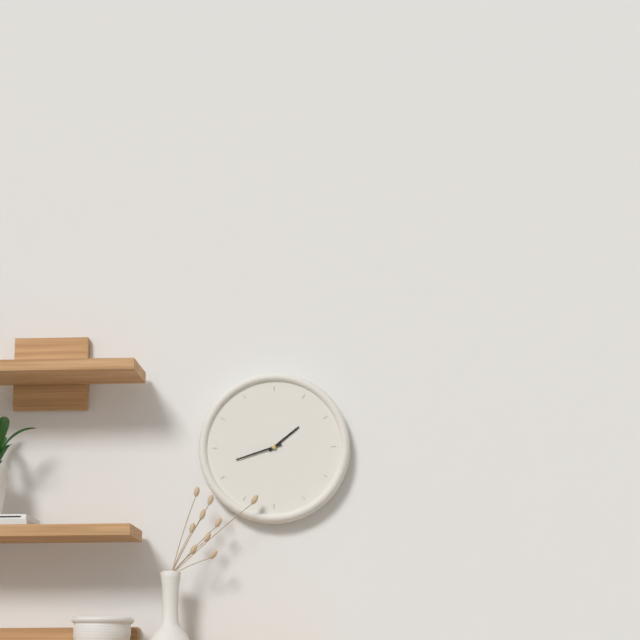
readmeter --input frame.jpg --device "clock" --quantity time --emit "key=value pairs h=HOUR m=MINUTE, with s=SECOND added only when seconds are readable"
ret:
h=1 m=42
